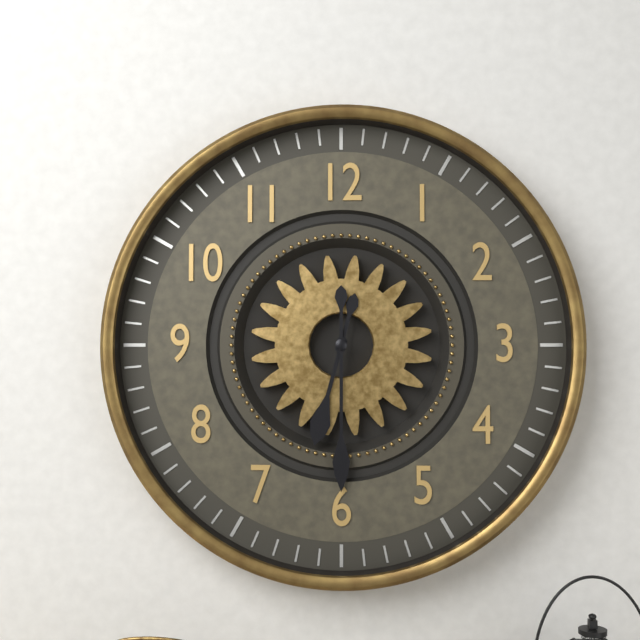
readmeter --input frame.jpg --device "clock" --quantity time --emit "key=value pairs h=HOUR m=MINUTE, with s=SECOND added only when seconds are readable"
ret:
h=6 m=30
